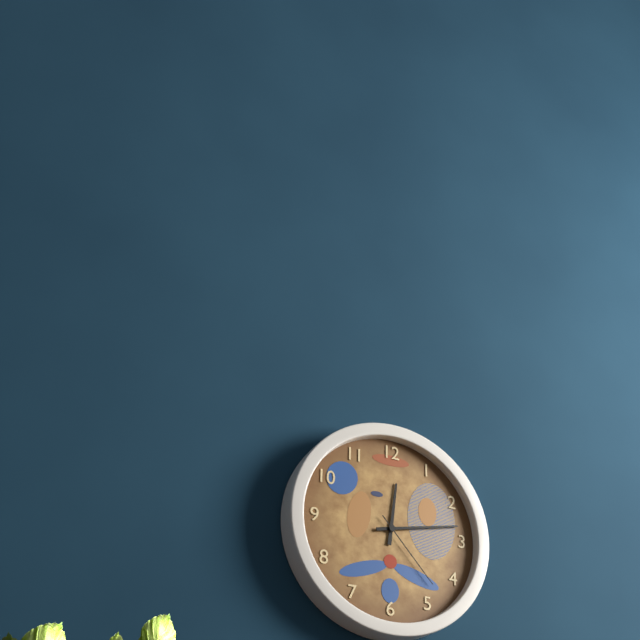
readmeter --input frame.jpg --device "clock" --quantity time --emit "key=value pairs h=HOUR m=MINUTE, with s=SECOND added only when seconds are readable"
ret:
h=12 m=13 s=23
